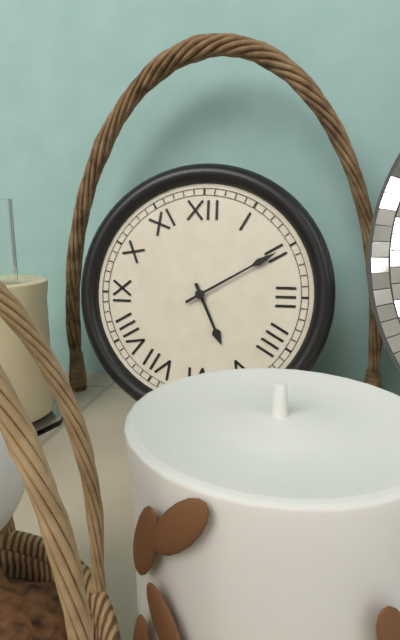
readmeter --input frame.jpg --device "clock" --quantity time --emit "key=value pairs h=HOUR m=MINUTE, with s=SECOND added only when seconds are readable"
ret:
h=5 m=10
